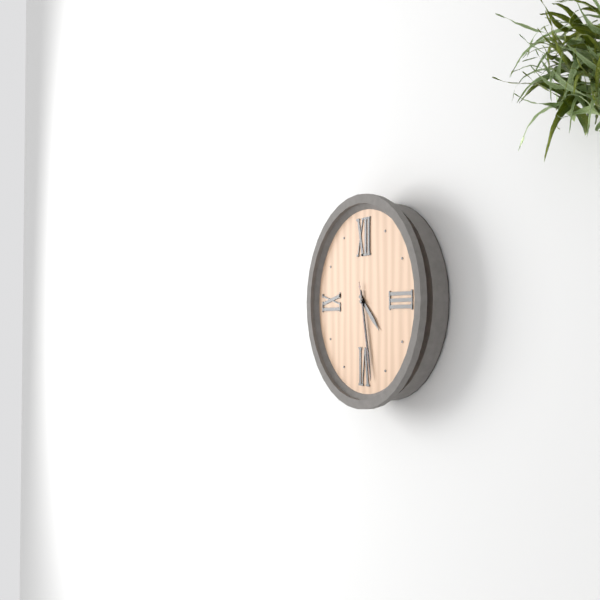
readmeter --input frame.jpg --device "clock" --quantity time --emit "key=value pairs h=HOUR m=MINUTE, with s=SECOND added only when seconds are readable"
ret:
h=4 m=28 s=28
